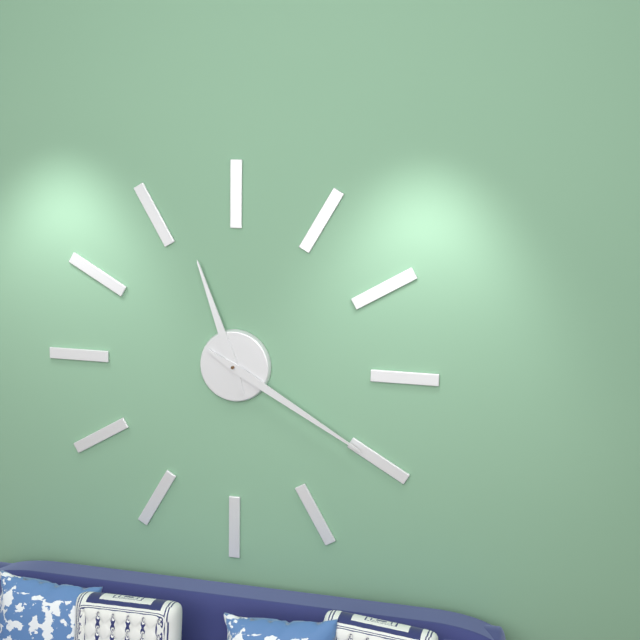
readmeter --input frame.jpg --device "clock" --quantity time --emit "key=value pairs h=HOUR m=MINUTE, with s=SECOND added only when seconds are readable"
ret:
h=11 m=20
